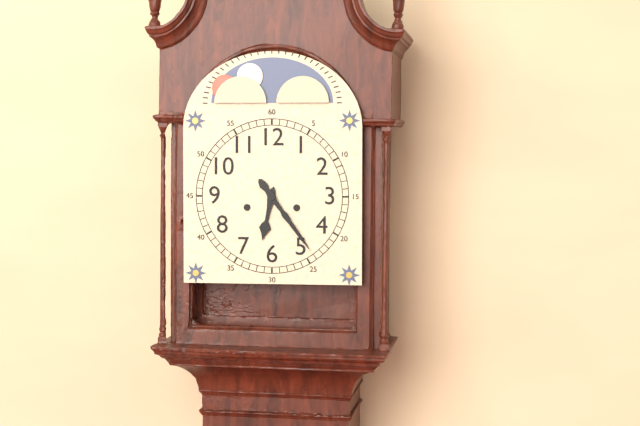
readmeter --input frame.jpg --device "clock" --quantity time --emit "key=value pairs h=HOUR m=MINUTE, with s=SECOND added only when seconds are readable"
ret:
h=6 m=24
